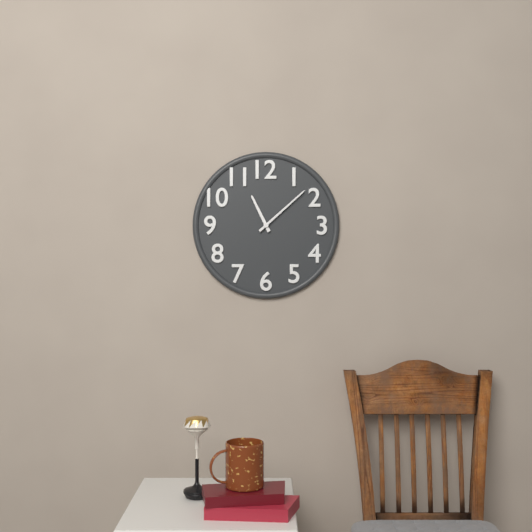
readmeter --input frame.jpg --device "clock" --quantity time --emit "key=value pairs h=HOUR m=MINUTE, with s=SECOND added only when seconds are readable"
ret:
h=11 m=8
